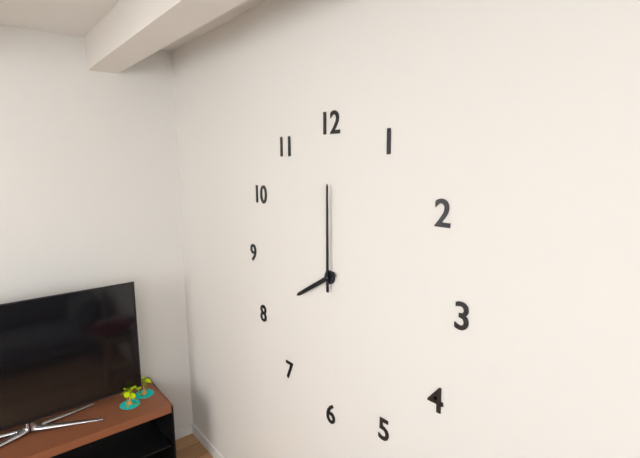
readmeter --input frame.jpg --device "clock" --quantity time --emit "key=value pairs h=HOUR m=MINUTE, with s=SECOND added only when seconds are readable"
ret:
h=8 m=0
